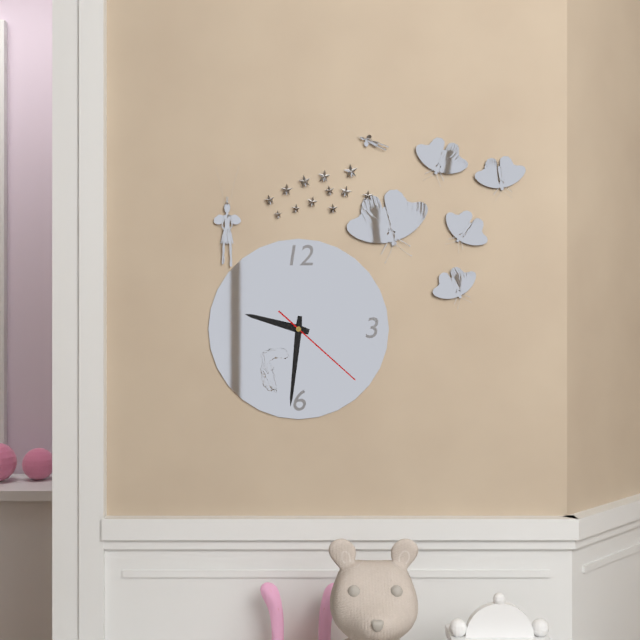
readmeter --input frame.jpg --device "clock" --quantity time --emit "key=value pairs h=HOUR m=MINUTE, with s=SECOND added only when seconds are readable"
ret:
h=9 m=31 s=22
